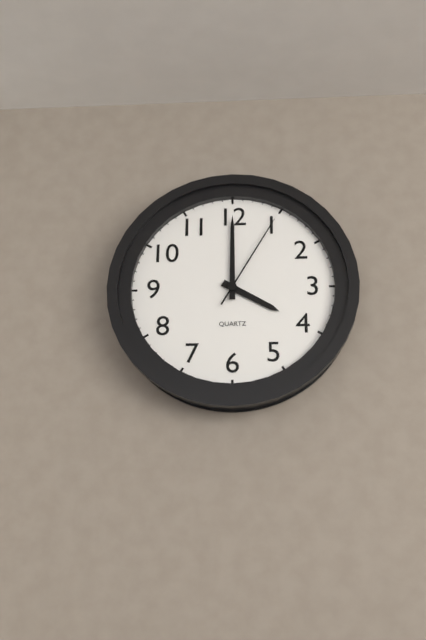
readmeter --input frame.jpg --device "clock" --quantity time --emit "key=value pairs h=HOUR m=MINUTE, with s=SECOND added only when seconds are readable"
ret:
h=4 m=0 s=5
